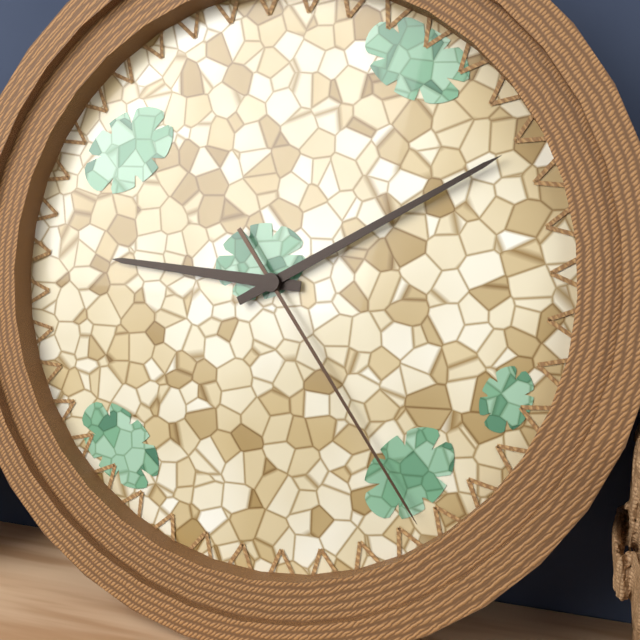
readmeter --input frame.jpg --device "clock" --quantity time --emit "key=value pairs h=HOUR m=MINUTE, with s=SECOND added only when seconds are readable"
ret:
h=9 m=10 s=24
